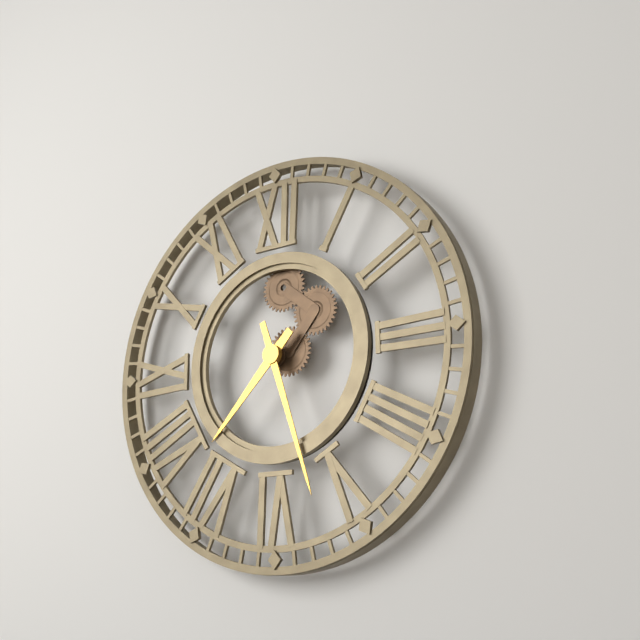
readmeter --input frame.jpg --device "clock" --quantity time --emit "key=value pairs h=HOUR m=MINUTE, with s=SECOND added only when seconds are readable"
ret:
h=7 m=27
